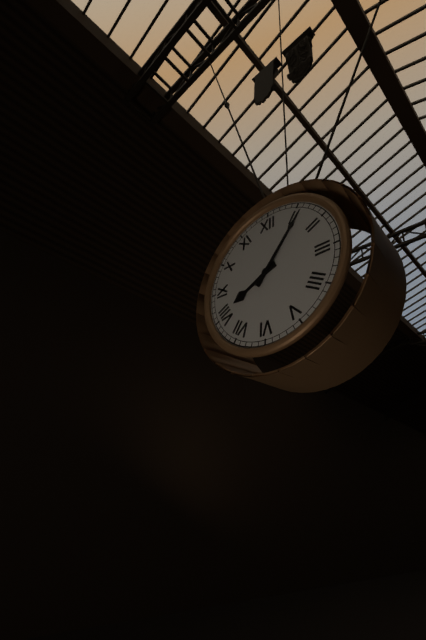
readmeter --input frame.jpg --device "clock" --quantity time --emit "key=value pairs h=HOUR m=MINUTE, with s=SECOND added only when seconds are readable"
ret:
h=8 m=6
